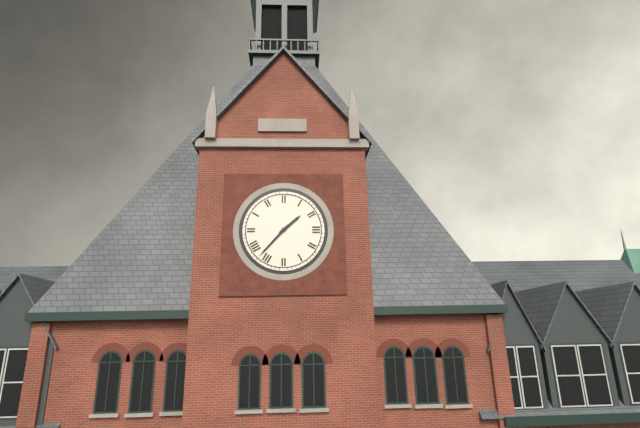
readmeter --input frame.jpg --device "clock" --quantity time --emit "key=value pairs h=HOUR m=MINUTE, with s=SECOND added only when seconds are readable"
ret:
h=1 m=37
